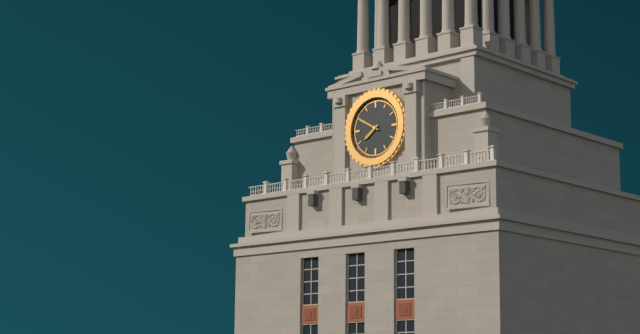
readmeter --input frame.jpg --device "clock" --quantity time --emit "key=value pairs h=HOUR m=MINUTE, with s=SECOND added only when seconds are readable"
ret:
h=7 m=50
